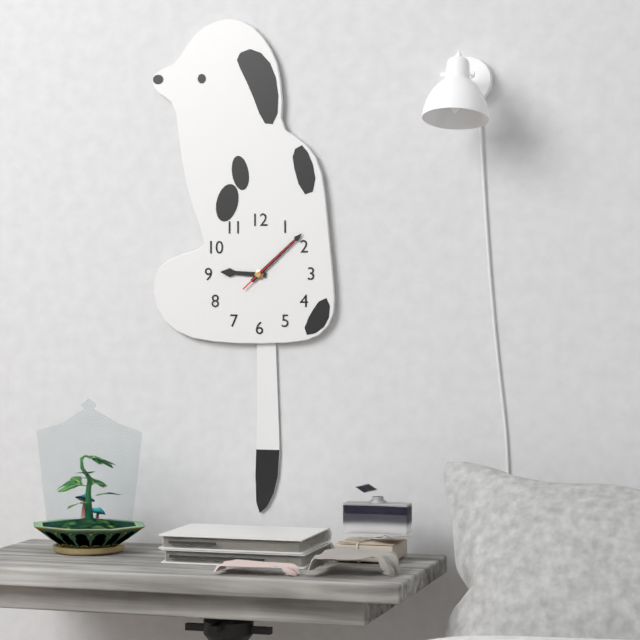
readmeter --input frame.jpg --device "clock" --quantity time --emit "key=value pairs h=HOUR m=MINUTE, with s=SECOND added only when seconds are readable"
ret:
h=9 m=8 s=8
